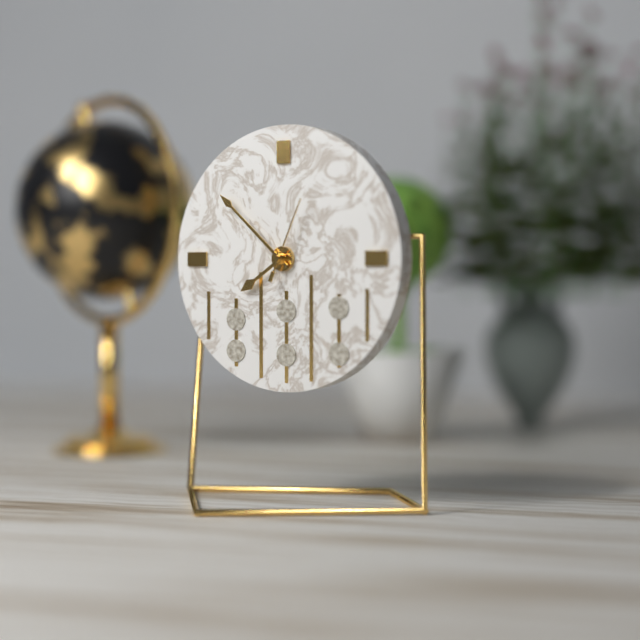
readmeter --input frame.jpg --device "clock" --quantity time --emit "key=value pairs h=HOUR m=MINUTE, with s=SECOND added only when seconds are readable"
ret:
h=7 m=52 s=4
